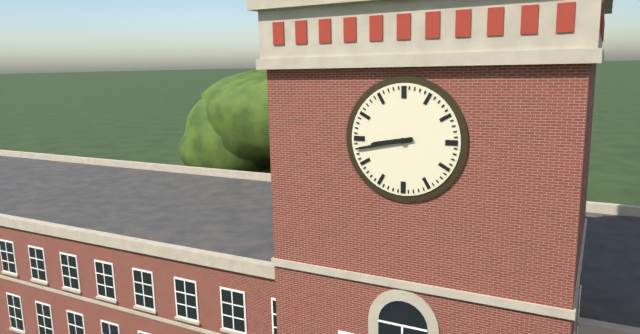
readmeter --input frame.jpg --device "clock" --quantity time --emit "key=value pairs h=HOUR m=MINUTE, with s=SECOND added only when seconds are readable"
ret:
h=8 m=43
